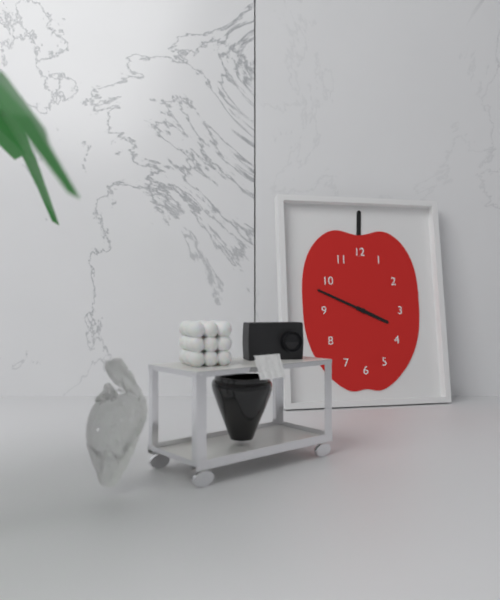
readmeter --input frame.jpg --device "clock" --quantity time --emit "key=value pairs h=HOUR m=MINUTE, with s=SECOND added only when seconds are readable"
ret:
h=3 m=49
